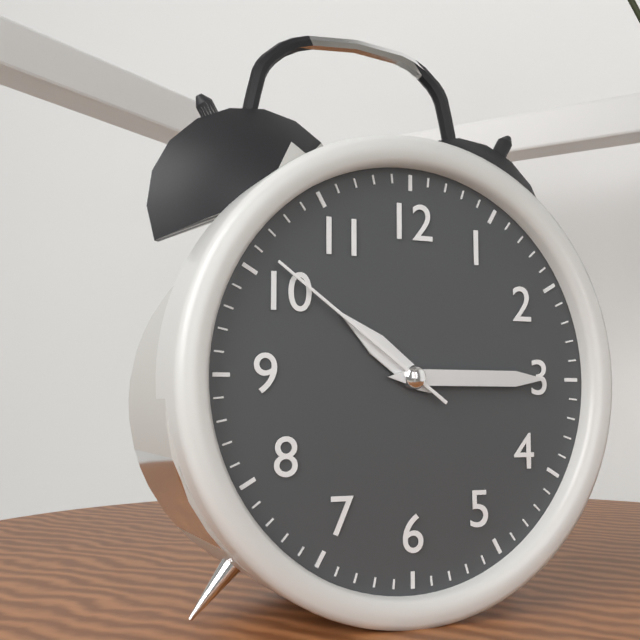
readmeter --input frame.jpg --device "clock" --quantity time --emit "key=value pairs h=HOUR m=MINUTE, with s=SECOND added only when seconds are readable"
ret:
h=10 m=15 s=51
